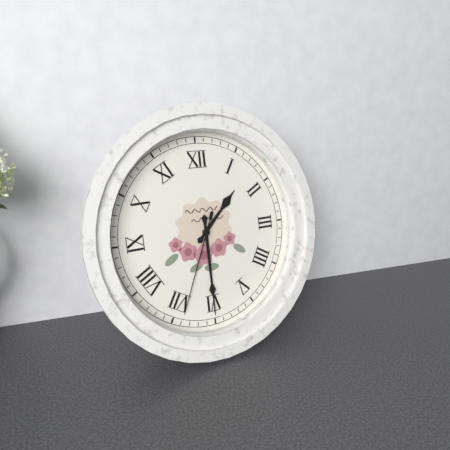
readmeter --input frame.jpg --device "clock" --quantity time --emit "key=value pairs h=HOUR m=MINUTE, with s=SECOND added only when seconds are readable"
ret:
h=1 m=30 s=34
